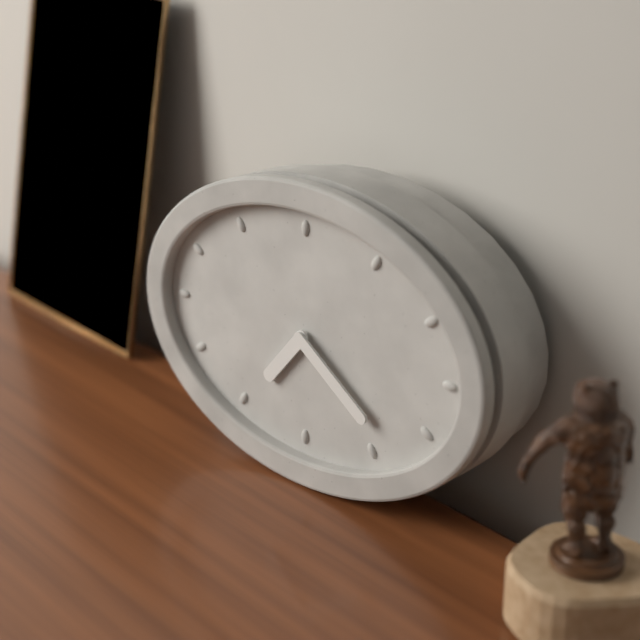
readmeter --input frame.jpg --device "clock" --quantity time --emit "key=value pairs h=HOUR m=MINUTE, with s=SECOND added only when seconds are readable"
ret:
h=7 m=21
